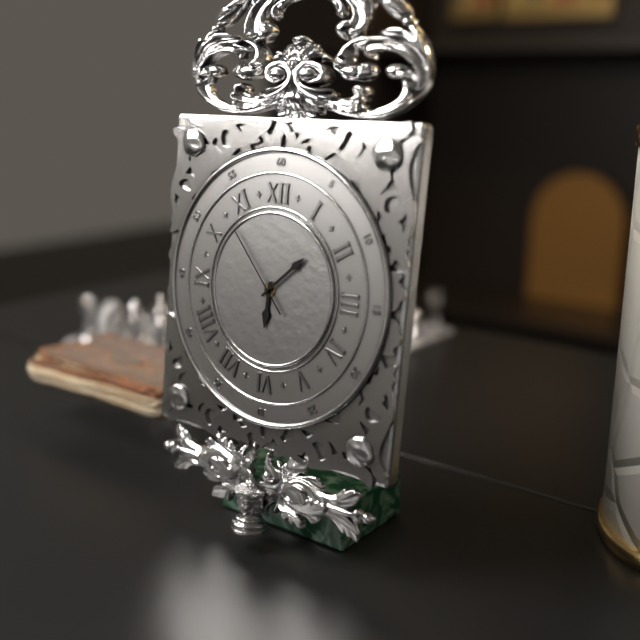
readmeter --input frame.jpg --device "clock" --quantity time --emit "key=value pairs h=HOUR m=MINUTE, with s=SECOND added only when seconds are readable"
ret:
h=6 m=8 s=53
